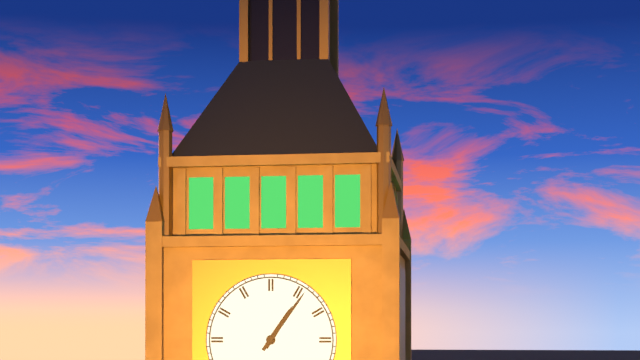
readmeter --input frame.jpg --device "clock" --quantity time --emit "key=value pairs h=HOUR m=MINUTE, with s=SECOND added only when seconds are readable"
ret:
h=1 m=6
